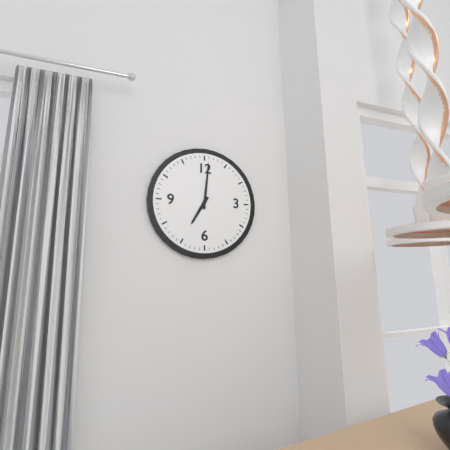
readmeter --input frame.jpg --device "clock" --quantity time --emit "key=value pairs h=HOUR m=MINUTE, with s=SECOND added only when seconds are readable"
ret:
h=7 m=1
